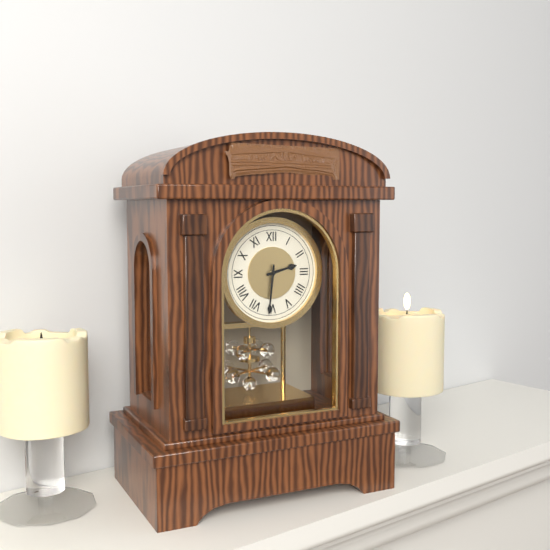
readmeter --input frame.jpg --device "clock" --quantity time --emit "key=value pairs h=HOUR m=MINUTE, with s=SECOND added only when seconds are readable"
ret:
h=2 m=31
